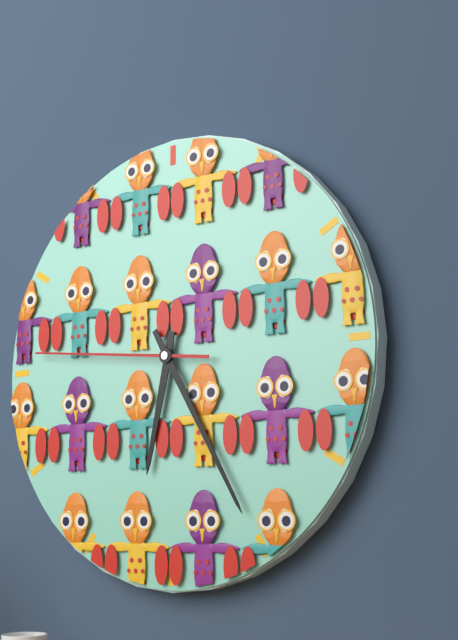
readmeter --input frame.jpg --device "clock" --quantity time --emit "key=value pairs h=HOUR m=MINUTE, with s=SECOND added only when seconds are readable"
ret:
h=6 m=25 s=46
